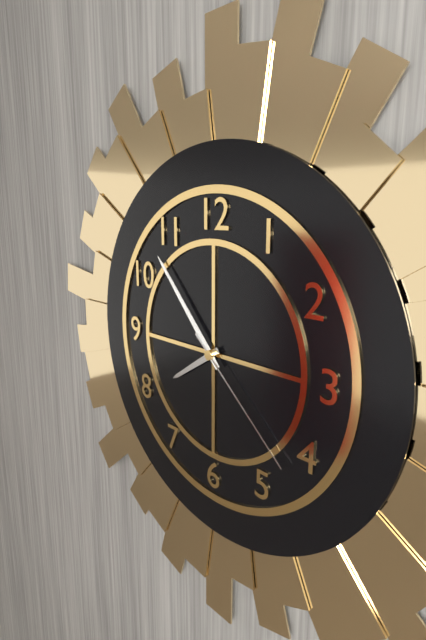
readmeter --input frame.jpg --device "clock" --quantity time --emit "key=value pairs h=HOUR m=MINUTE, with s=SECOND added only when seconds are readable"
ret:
h=7 m=53 s=22
